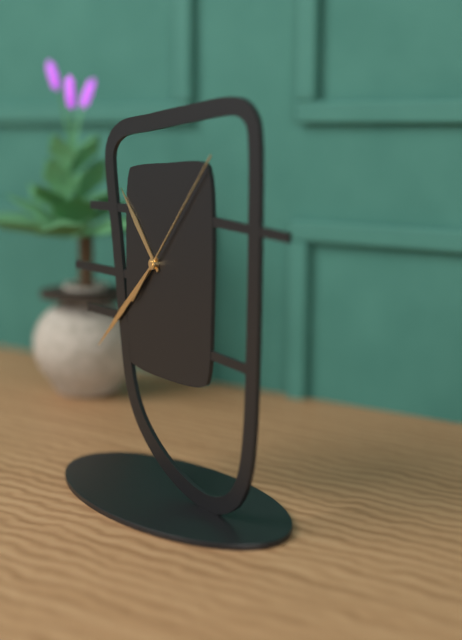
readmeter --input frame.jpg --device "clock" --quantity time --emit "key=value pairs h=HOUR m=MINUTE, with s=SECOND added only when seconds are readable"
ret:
h=10 m=38 s=7
